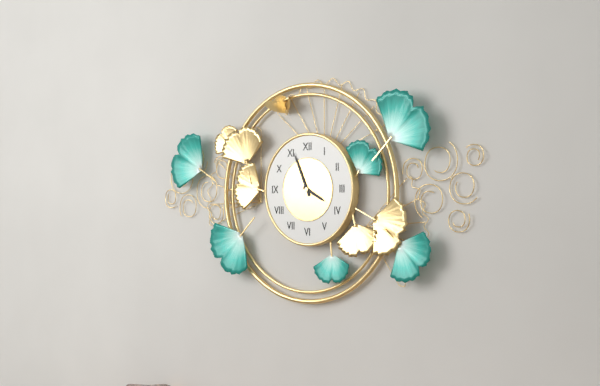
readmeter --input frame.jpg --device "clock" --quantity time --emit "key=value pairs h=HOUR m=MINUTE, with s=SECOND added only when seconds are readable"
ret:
h=3 m=56
